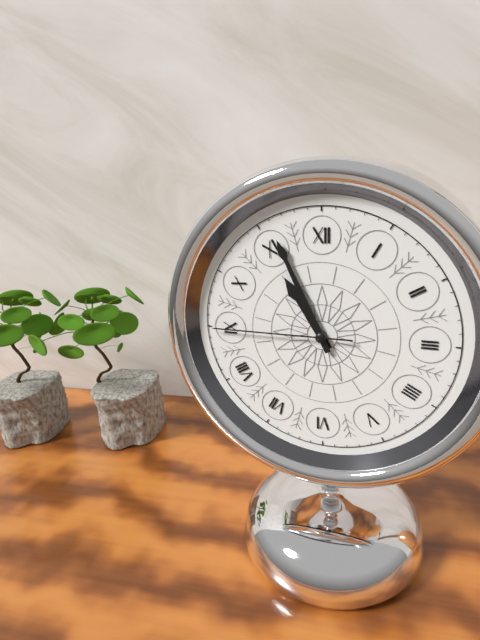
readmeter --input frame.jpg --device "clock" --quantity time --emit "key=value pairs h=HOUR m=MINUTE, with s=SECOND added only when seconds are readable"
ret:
h=10 m=56 s=45
